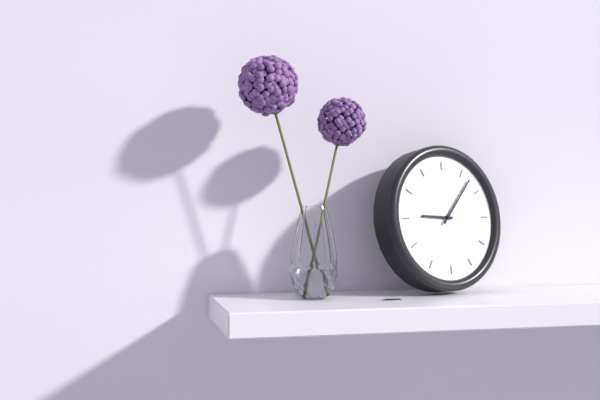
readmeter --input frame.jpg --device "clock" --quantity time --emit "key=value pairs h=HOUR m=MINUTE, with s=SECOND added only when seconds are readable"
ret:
h=9 m=7
